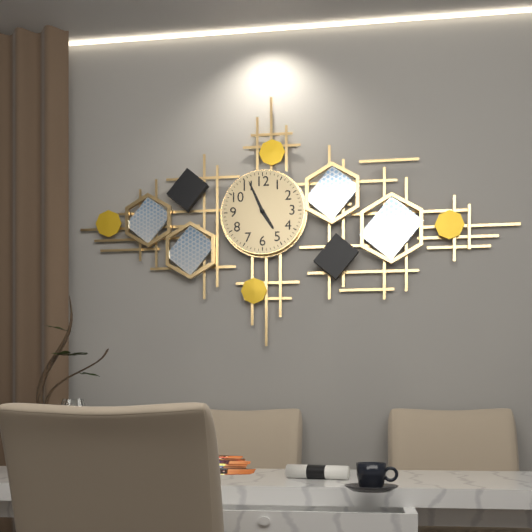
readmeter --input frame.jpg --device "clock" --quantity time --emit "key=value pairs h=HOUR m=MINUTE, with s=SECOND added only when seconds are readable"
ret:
h=4 m=56
